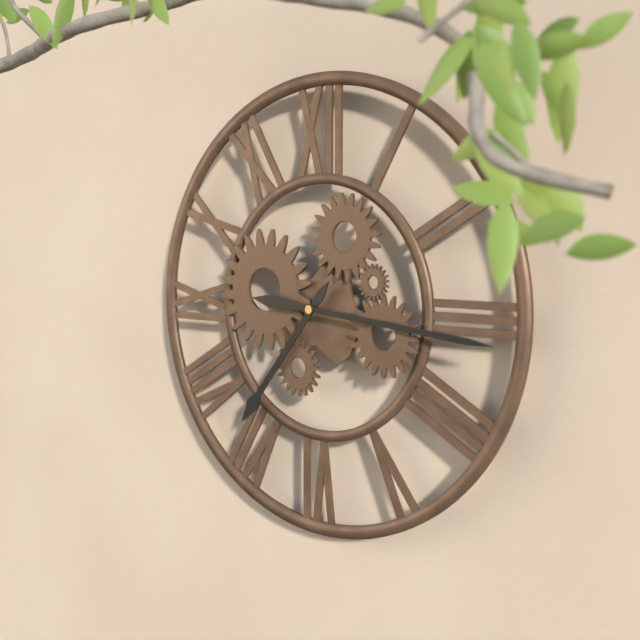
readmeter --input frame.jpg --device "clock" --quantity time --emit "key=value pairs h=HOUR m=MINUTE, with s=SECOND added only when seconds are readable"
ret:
h=7 m=16
